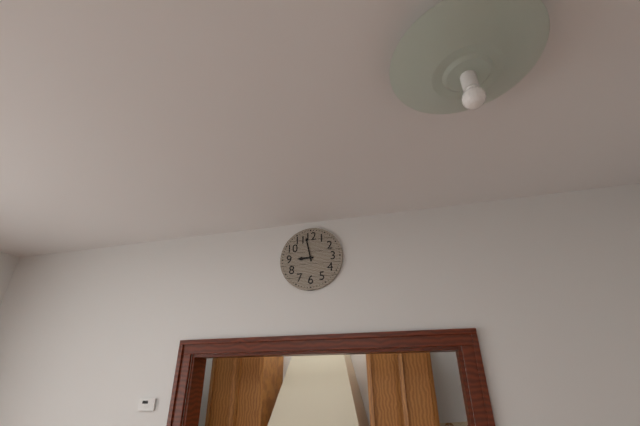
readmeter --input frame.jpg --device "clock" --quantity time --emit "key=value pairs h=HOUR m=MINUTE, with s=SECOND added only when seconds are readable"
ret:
h=8 m=58
